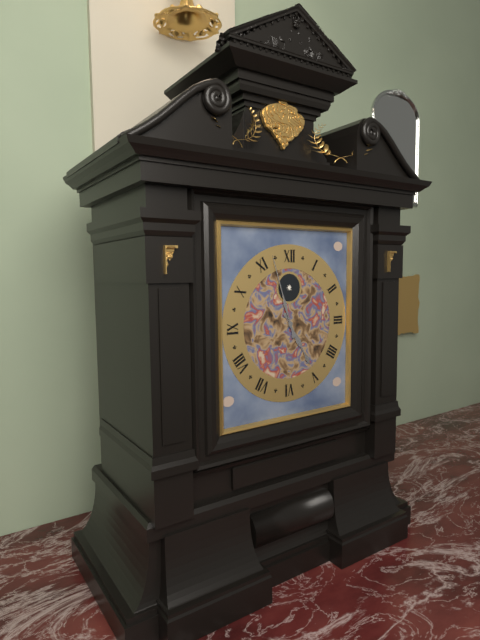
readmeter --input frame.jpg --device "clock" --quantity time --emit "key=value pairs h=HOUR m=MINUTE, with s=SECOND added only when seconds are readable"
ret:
h=4 m=57
